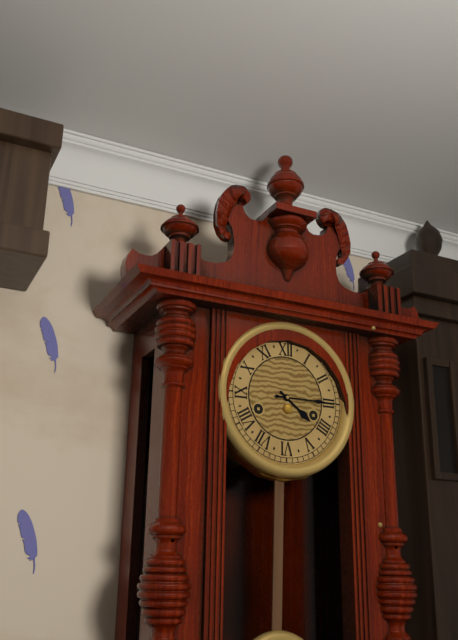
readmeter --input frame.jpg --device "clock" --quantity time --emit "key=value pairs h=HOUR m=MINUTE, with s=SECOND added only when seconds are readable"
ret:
h=4 m=15
